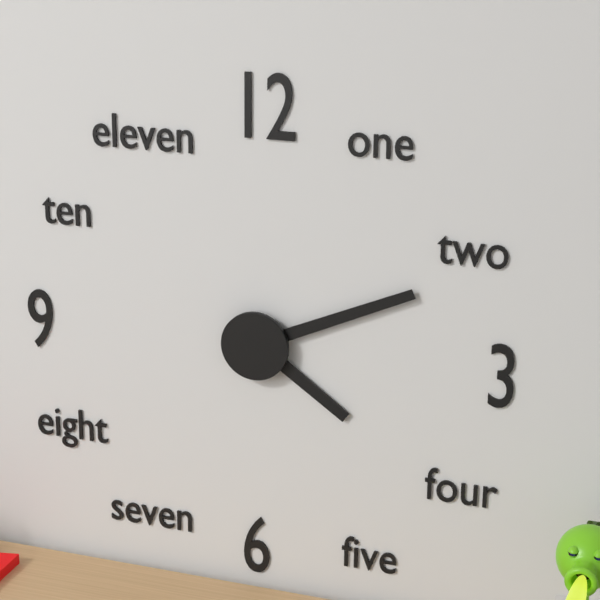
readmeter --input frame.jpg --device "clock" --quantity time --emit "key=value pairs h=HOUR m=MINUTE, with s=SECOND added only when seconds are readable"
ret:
h=4 m=11
